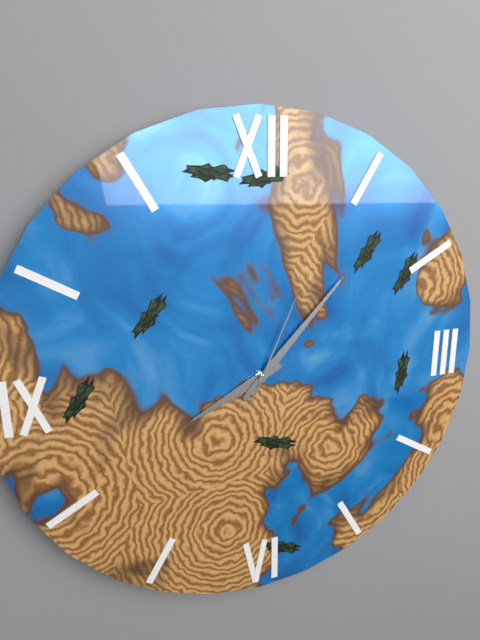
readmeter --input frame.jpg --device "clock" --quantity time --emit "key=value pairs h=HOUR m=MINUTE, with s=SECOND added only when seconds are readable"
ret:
h=8 m=7 s=4
